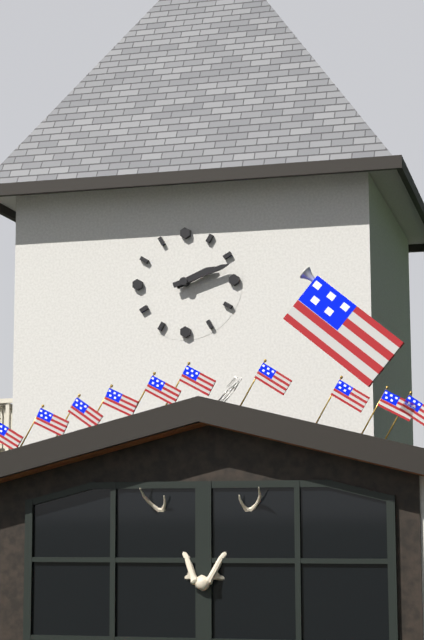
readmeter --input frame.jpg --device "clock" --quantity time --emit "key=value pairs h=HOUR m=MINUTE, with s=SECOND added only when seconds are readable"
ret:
h=2 m=12
